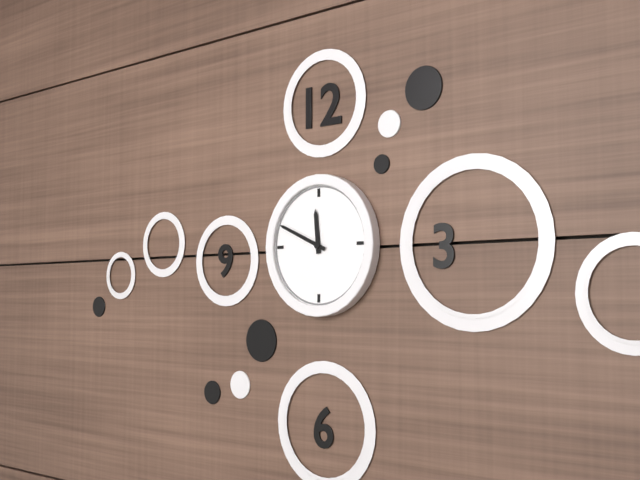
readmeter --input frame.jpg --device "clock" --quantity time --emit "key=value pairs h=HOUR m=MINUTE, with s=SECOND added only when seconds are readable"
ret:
h=11 m=49
